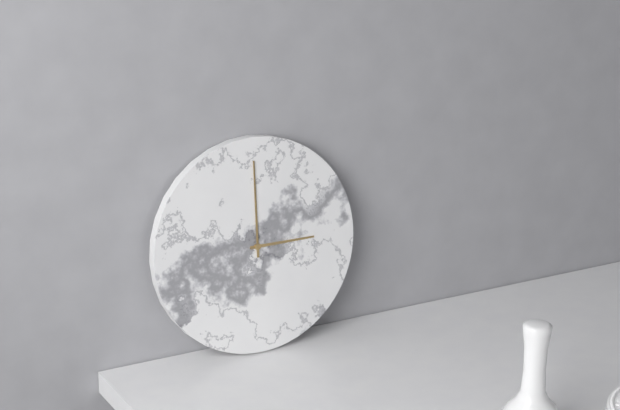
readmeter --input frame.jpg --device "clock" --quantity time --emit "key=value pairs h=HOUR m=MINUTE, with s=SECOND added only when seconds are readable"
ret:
h=3 m=0
